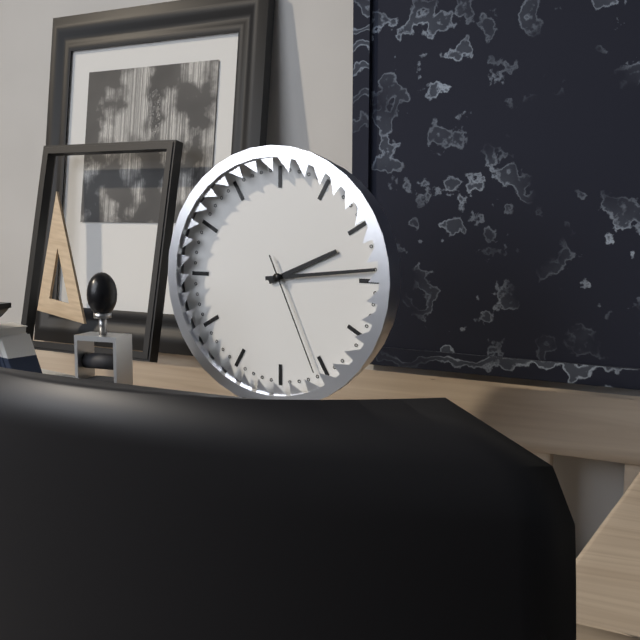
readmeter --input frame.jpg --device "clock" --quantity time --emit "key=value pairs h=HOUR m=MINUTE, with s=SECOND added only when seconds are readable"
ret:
h=2 m=14 s=26
